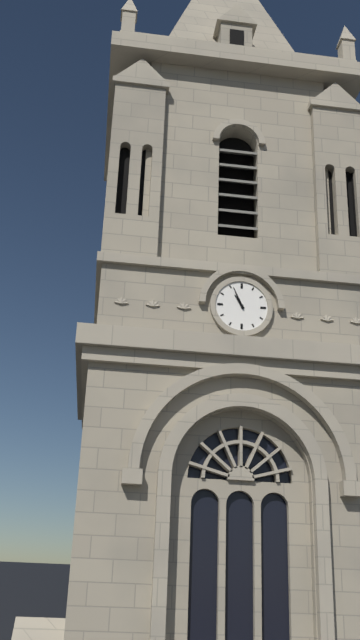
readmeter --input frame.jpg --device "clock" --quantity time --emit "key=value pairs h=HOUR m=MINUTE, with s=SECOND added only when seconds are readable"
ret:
h=10 m=56
